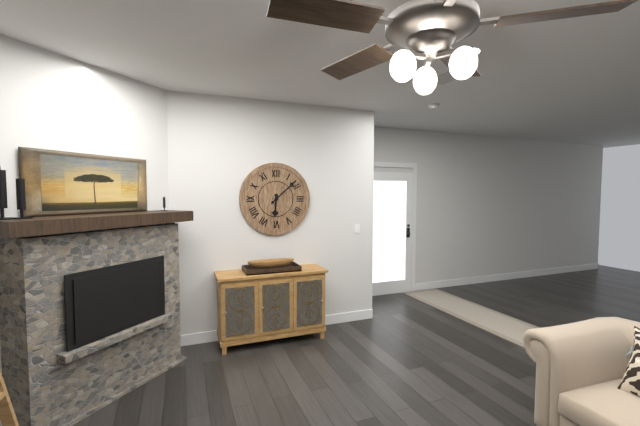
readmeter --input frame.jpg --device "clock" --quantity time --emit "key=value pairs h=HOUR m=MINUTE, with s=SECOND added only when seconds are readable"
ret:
h=6 m=8
